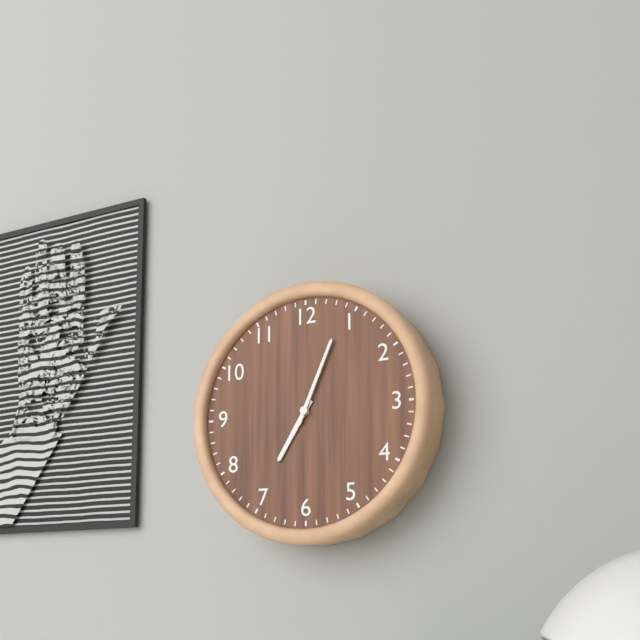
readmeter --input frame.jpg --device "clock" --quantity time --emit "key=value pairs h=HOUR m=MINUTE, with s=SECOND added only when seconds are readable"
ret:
h=7 m=4
